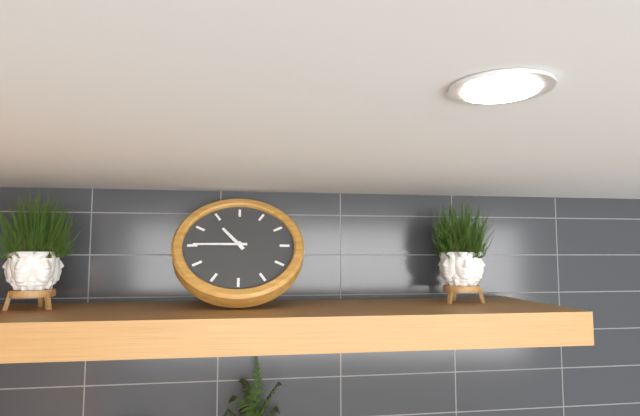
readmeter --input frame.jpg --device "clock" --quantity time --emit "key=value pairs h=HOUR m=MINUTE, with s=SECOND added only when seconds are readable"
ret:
h=10 m=45
